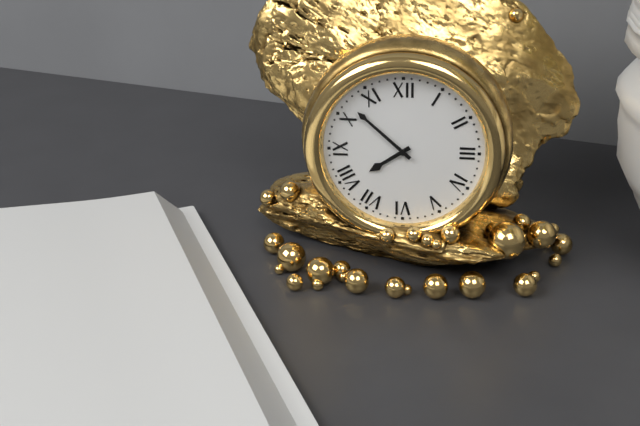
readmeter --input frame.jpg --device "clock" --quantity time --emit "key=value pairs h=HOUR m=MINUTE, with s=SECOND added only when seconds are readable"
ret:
h=7 m=52
